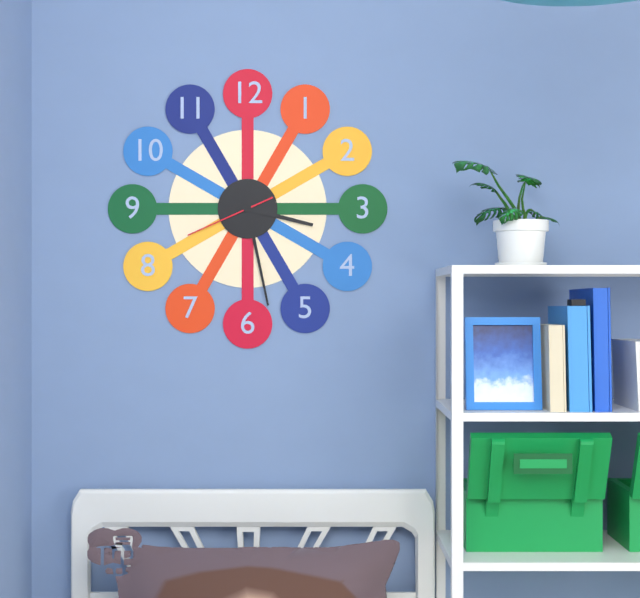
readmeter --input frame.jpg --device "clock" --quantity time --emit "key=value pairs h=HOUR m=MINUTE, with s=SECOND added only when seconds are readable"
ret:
h=3 m=28 s=41
